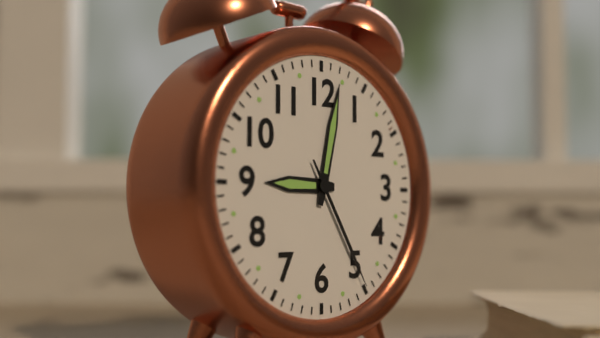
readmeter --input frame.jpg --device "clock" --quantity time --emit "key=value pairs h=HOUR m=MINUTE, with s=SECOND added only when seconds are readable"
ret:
h=9 m=2 s=25
